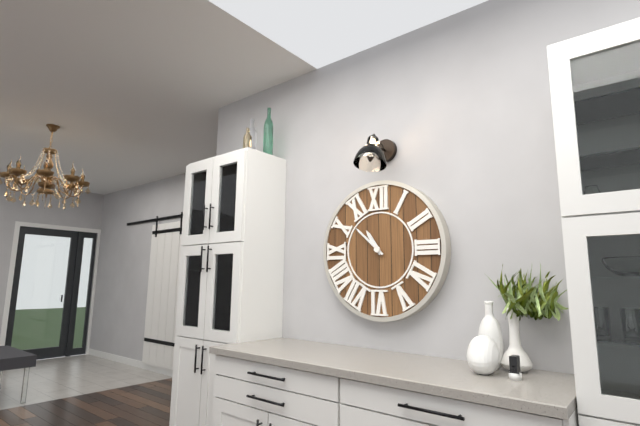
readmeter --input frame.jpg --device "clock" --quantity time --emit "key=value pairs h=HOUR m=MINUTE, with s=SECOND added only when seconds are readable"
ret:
h=10 m=52
